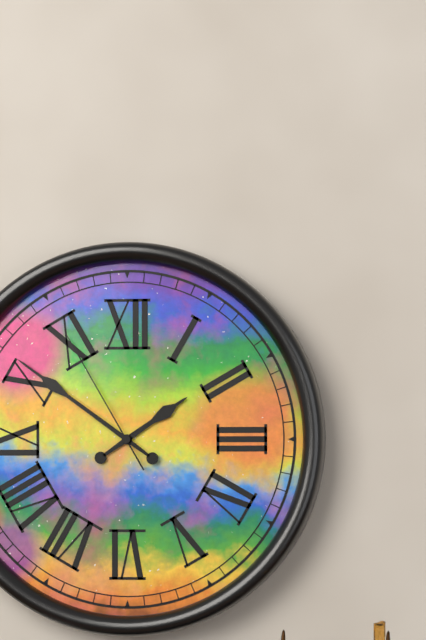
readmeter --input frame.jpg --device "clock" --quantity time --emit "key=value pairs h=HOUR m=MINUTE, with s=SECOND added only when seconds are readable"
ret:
h=1 m=51 s=55
